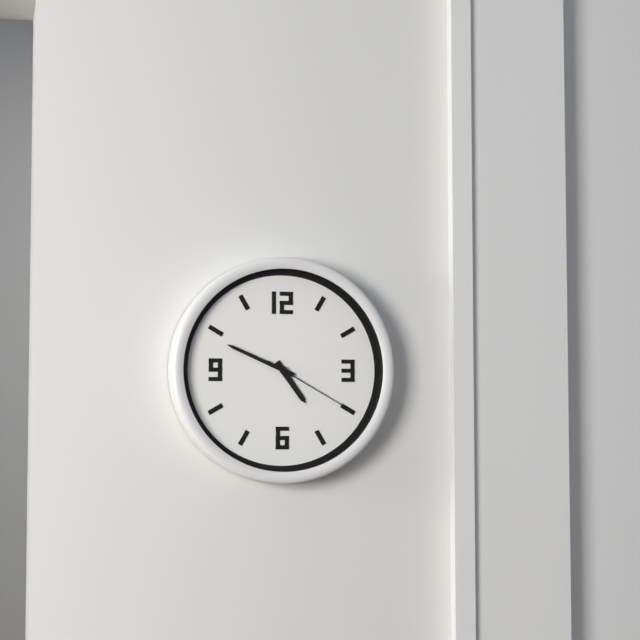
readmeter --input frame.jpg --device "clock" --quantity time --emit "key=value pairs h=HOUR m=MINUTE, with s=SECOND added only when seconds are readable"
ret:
h=4 m=49 s=20
